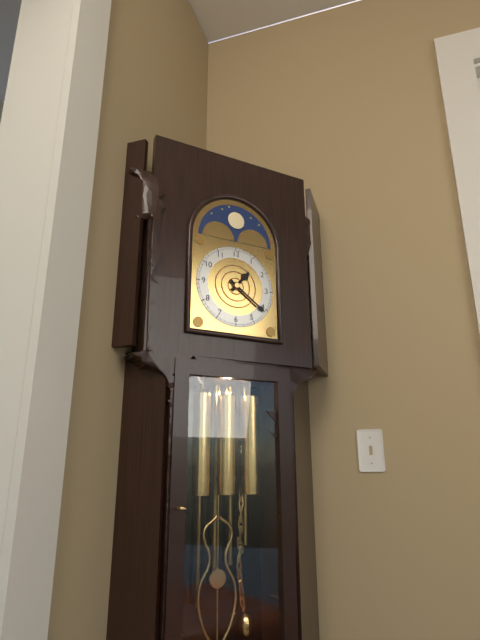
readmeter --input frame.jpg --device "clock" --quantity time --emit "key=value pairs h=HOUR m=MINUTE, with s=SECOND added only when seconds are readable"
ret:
h=1 m=21
